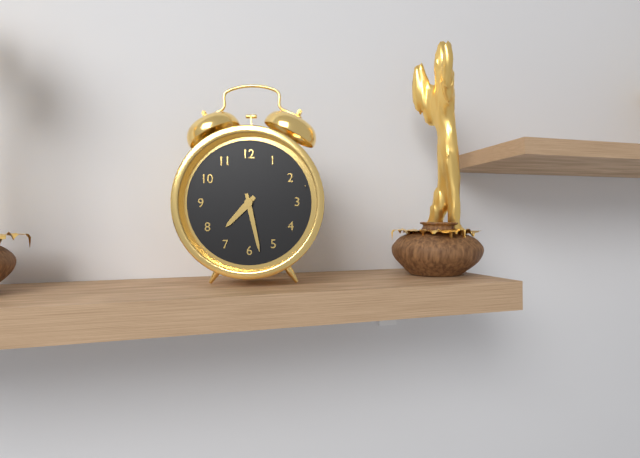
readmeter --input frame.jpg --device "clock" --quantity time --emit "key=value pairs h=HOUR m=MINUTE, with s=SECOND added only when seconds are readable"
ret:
h=7 m=28
